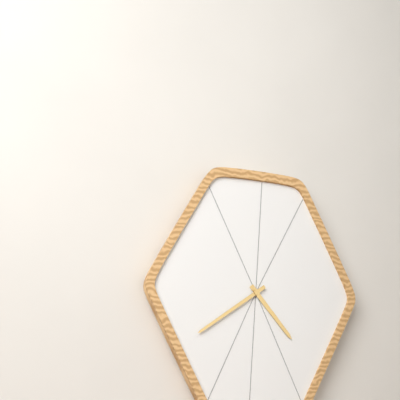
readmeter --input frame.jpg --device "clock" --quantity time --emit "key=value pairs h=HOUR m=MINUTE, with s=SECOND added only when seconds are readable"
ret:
h=4 m=39
